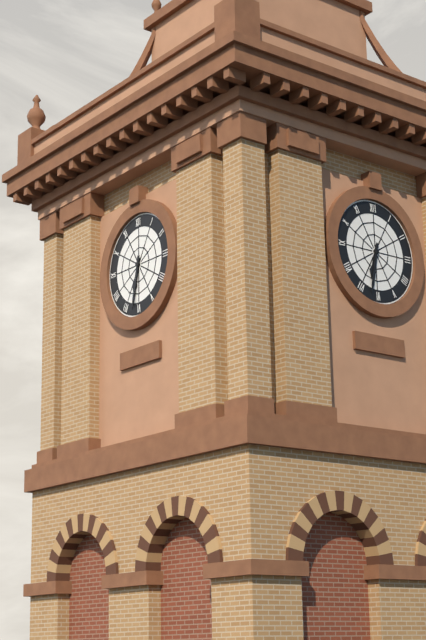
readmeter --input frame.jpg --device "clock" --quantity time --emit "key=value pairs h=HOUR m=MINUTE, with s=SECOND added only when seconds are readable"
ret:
h=6 m=32
